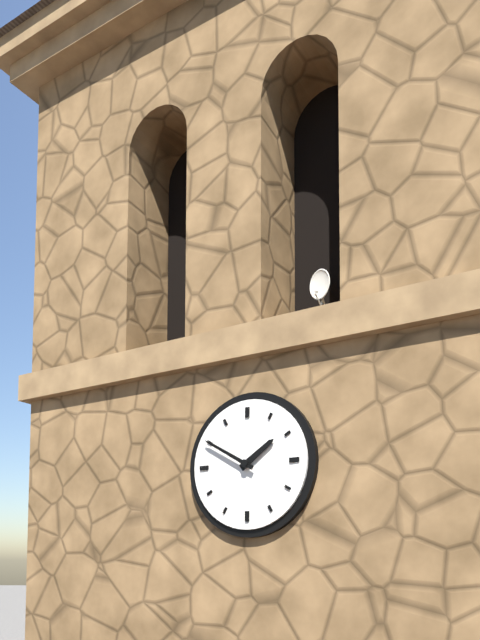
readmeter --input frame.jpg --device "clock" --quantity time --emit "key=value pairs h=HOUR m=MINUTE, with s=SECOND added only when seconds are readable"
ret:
h=1 m=50
